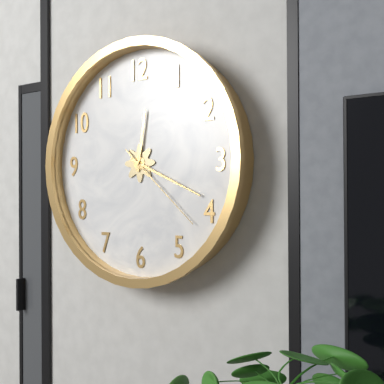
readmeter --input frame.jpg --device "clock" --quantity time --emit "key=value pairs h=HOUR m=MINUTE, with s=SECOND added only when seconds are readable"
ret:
h=12 m=19 s=22
